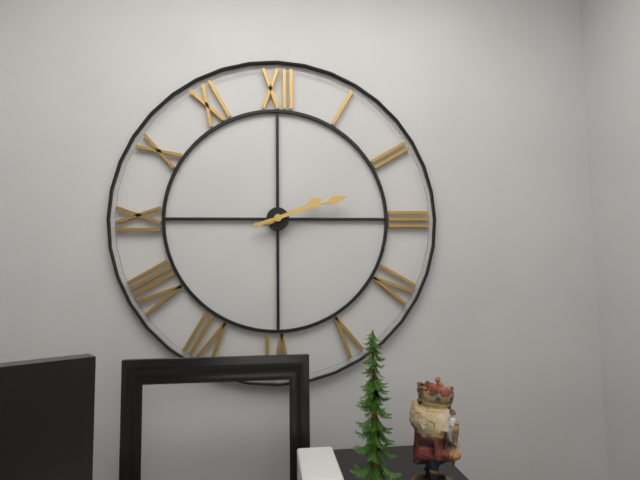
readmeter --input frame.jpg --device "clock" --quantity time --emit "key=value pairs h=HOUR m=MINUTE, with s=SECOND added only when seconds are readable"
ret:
h=2 m=12
